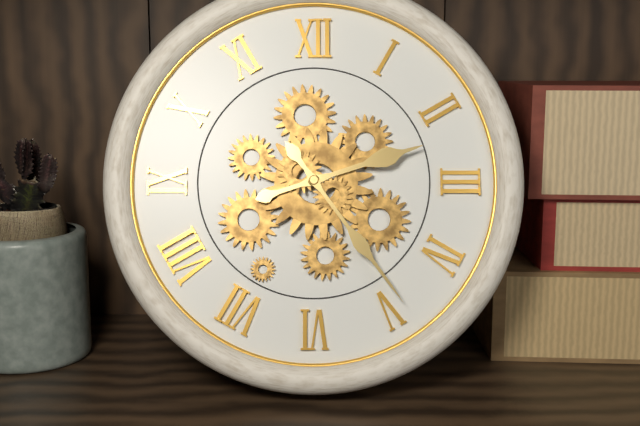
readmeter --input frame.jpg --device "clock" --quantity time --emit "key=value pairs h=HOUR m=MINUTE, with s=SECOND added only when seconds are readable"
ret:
h=2 m=24
